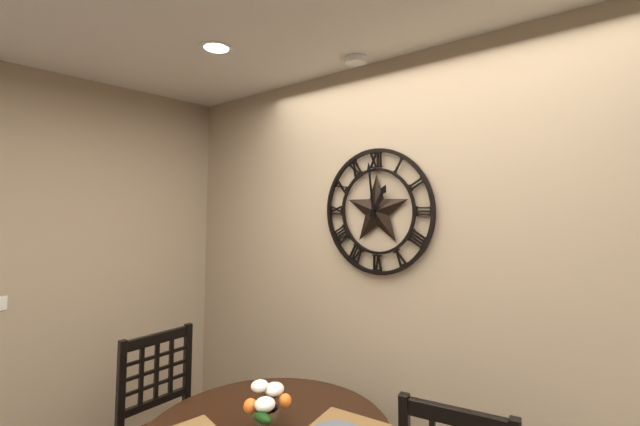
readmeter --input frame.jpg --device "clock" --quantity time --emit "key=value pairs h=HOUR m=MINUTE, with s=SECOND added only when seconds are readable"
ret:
h=12 m=59
